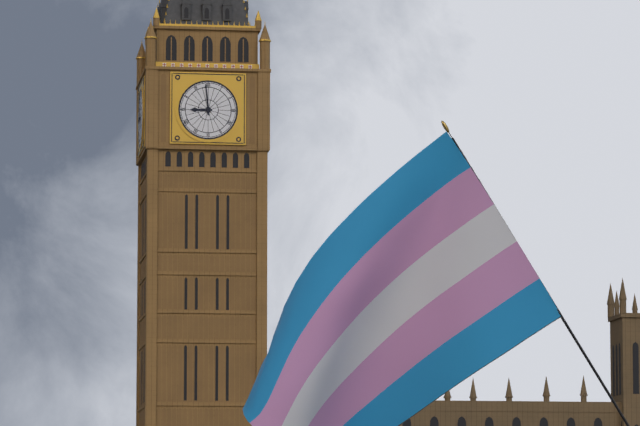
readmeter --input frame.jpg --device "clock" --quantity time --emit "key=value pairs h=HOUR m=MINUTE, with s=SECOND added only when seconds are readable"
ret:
h=8 m=59
